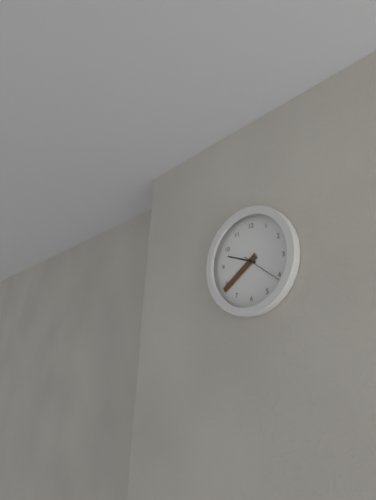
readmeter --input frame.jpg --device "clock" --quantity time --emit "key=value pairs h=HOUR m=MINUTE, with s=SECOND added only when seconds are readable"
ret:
h=9 m=39
